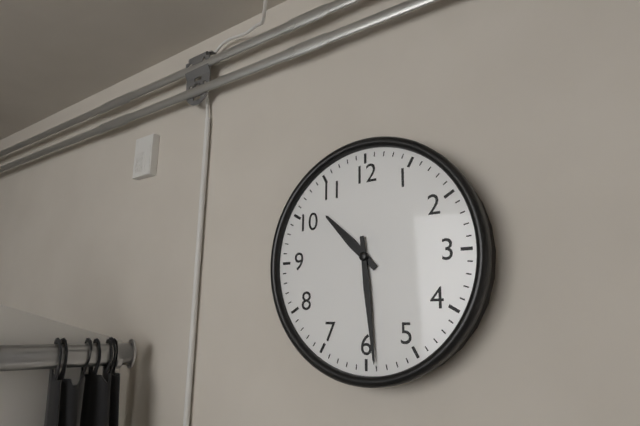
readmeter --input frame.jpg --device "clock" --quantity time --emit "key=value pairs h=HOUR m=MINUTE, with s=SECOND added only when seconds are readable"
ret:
h=10 m=29
